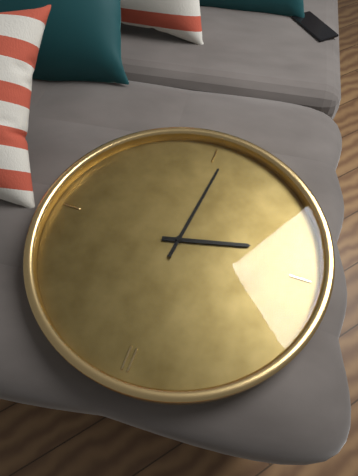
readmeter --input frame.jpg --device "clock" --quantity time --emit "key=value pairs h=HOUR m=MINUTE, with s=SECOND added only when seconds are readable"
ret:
h=8 m=31
